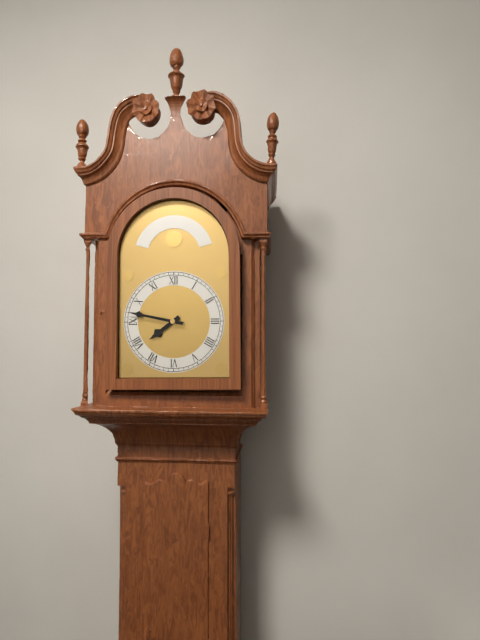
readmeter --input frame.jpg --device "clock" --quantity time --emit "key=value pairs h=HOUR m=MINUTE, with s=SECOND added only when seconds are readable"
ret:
h=7 m=47
